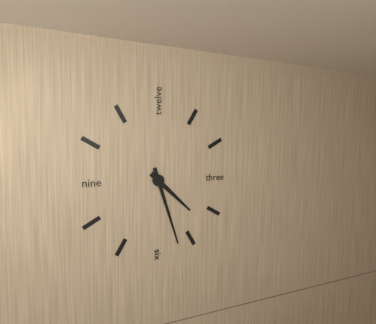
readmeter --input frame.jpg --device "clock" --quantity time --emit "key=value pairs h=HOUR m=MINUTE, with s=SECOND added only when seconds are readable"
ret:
h=4 m=27
